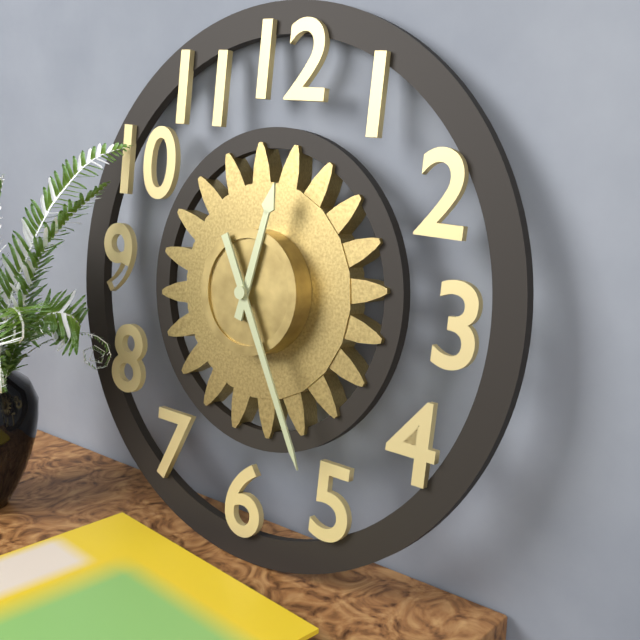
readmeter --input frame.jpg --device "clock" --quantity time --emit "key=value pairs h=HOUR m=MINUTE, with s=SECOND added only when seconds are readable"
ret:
h=12 m=25
